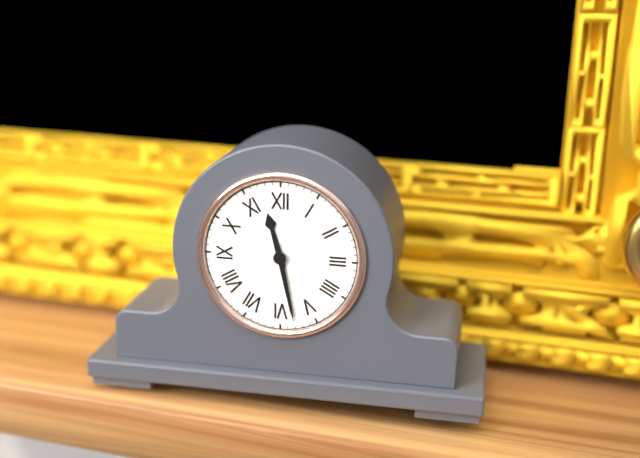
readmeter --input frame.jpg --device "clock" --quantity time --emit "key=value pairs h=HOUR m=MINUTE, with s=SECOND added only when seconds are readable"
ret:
h=11 m=28
